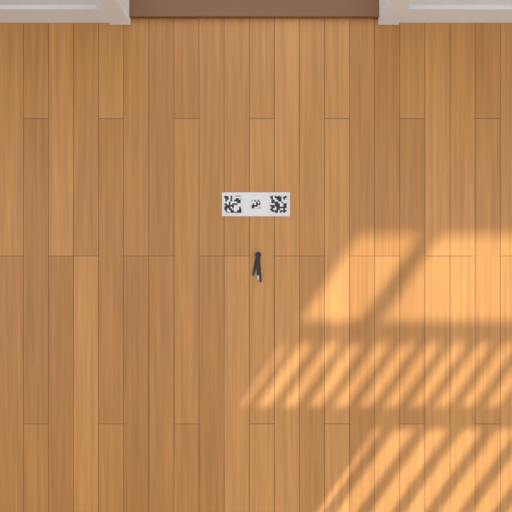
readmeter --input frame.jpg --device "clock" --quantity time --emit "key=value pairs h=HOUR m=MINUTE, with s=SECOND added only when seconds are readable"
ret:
h=6 m=29
